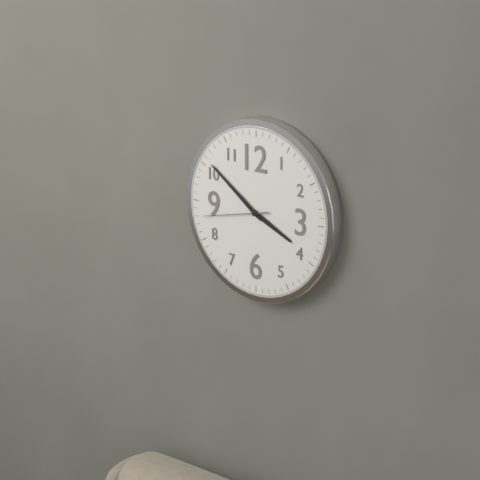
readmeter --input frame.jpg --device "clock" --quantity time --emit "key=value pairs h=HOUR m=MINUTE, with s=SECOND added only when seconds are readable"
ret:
h=3 m=51 s=43
